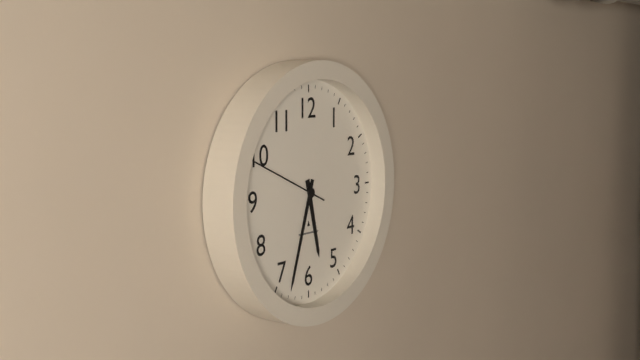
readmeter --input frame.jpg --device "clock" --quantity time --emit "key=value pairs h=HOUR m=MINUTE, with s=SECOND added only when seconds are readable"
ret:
h=5 m=33 s=49
